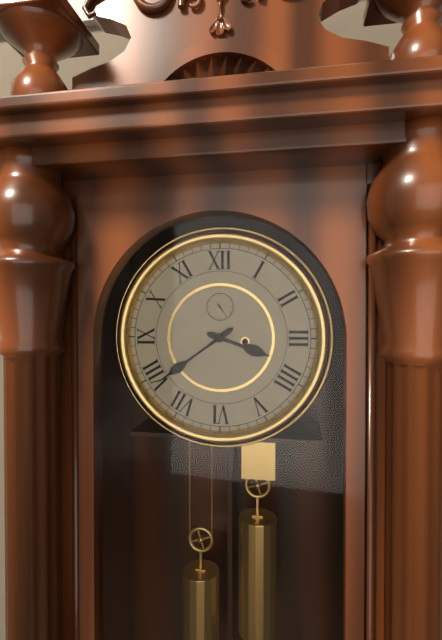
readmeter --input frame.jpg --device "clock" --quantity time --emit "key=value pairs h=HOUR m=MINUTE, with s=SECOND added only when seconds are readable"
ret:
h=3 m=39
